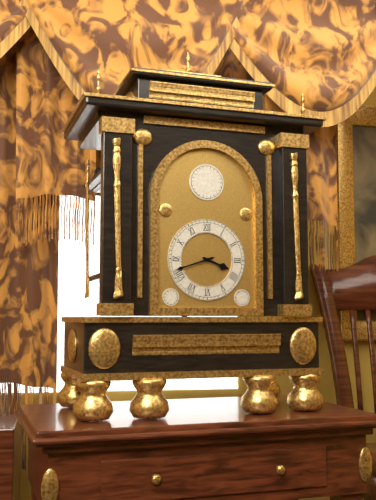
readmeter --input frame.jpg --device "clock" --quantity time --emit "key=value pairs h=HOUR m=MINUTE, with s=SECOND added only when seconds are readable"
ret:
h=3 m=42
